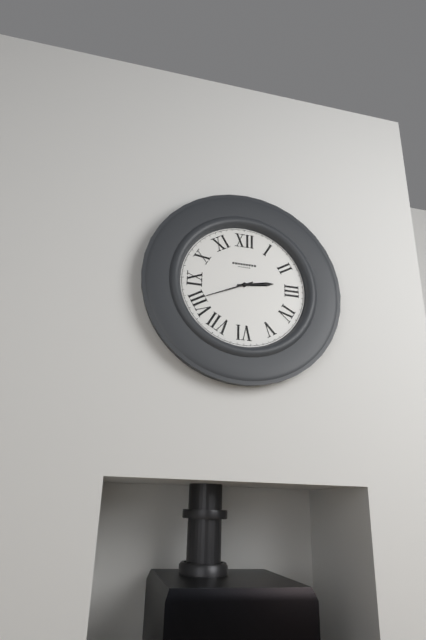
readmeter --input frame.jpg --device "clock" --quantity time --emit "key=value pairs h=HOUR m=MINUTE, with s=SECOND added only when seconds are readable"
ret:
h=2 m=41
